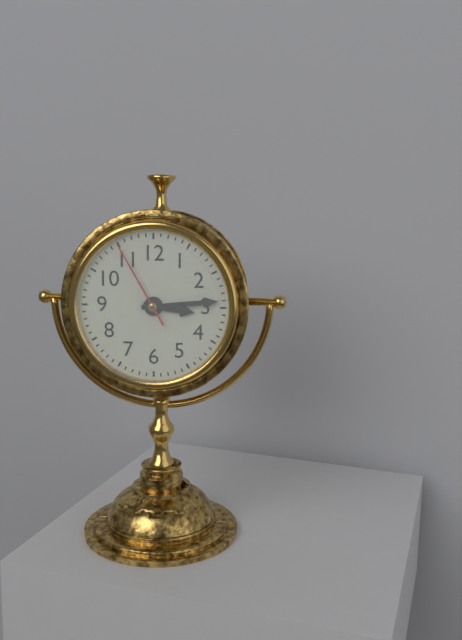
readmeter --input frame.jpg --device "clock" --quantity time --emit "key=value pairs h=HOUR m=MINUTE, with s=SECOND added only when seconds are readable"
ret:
h=3 m=14 s=55
